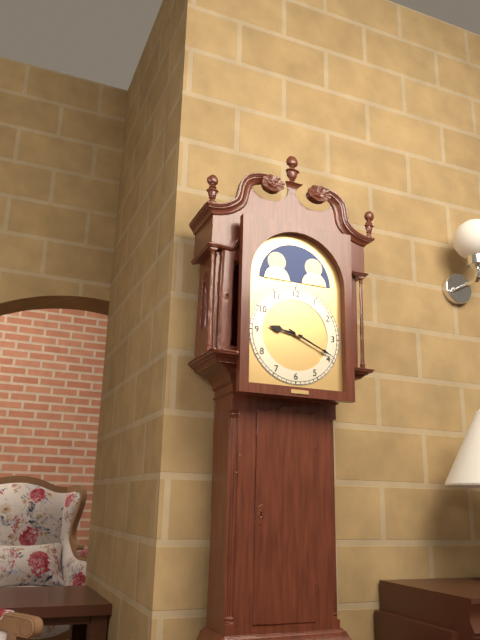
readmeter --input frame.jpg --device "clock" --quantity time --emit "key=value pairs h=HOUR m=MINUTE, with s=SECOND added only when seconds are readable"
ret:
h=9 m=19
